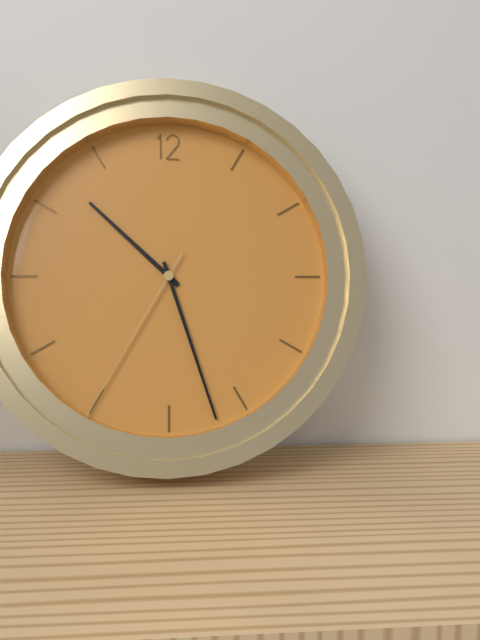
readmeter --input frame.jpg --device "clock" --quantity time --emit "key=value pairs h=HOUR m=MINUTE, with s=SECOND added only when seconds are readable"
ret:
h=10 m=27 s=35
